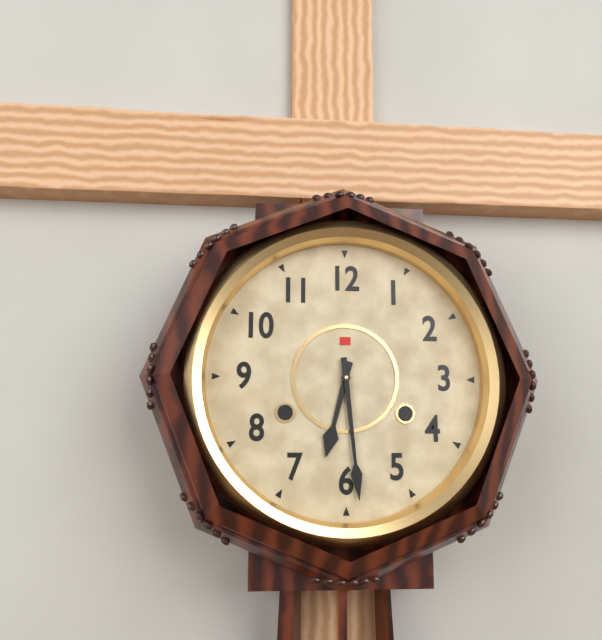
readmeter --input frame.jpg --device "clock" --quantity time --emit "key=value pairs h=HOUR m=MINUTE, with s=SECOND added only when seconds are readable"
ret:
h=6 m=29
